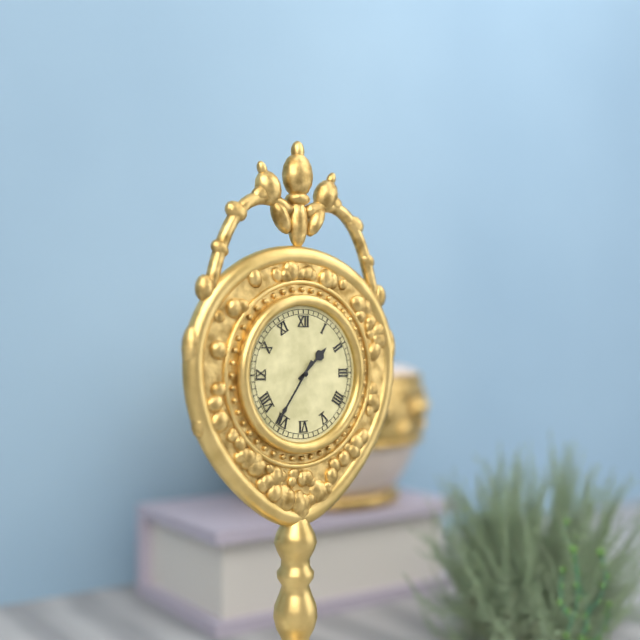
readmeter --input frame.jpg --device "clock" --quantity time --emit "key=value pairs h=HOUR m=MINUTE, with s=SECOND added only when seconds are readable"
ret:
h=1 m=36
